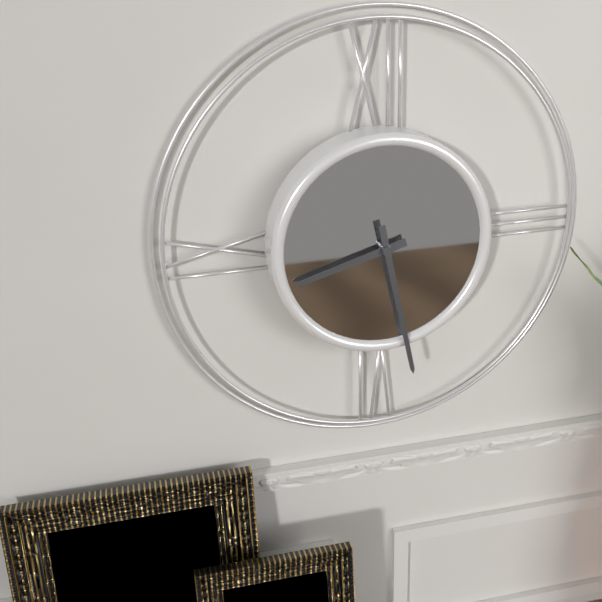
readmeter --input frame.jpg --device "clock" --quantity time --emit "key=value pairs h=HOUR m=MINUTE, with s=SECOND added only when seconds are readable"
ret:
h=8 m=28
